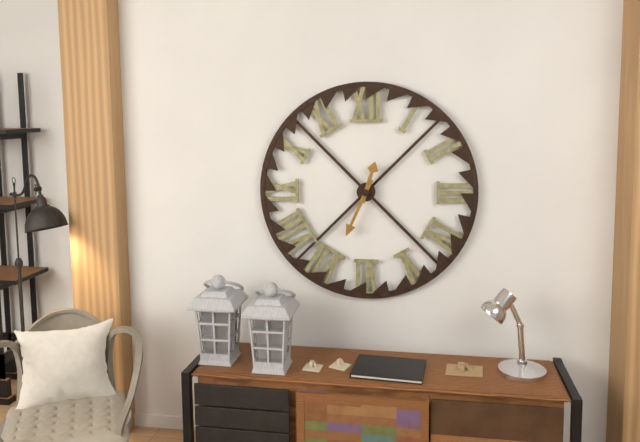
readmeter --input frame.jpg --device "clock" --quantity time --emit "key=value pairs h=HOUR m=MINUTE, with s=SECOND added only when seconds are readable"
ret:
h=12 m=34
